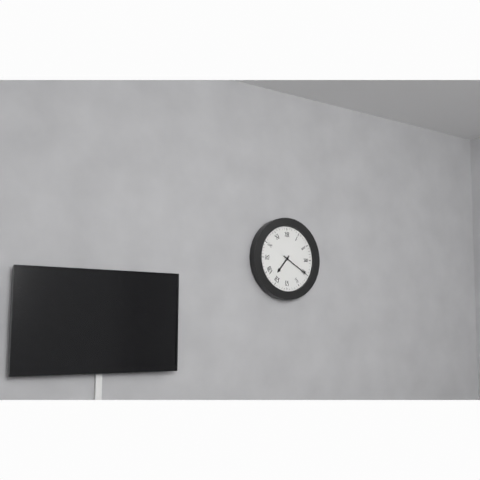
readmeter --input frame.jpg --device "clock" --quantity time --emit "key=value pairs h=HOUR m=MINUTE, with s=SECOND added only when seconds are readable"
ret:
h=7 m=20
